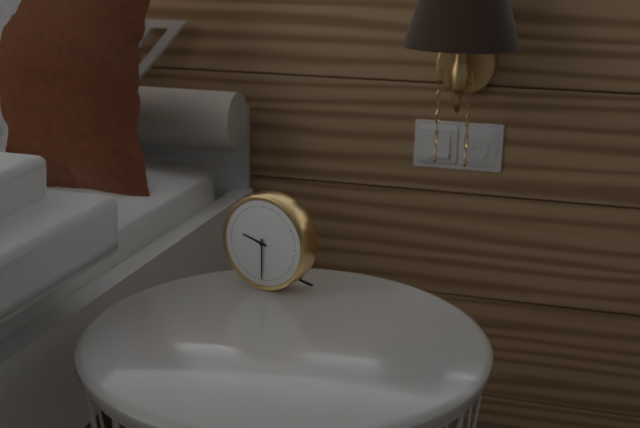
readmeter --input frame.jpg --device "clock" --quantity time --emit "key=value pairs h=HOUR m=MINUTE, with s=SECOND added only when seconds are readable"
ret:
h=9 m=30
